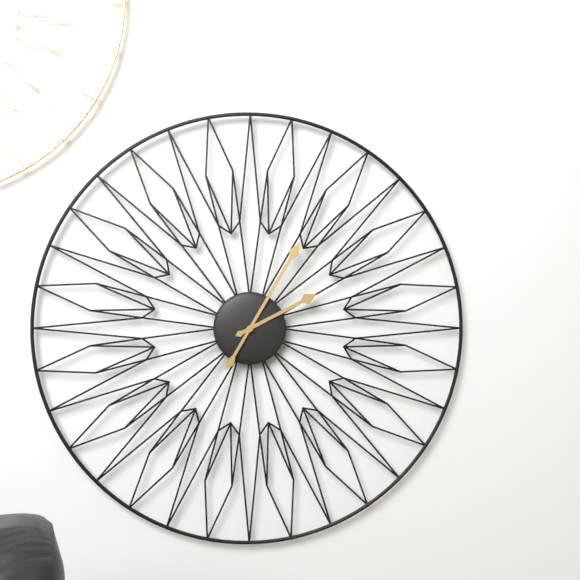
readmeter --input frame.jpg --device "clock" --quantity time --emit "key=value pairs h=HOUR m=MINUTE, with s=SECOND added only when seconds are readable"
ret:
h=2 m=5
